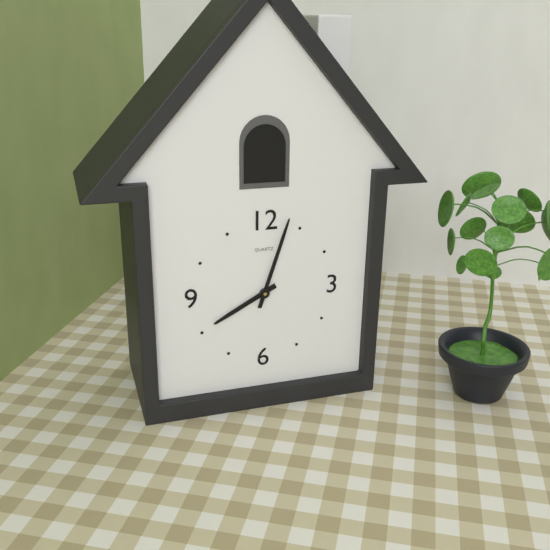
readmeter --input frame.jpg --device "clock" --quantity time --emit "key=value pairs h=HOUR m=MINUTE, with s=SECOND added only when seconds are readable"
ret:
h=8 m=3
